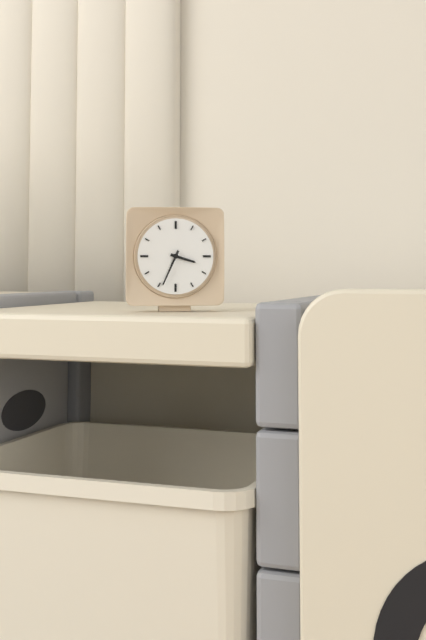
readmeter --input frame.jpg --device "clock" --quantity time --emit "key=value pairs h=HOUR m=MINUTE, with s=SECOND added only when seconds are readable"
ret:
h=3 m=34
